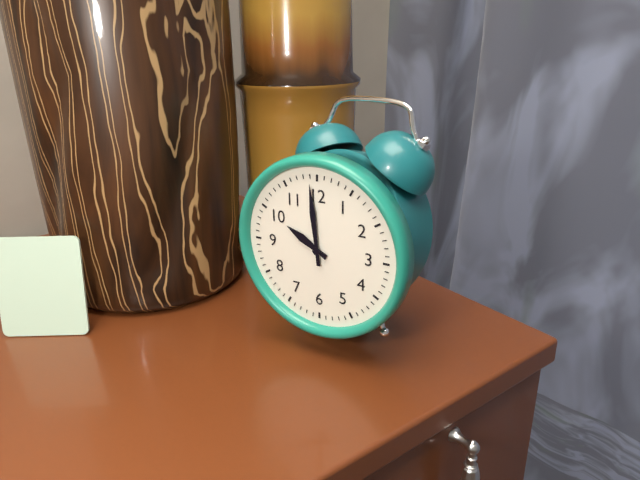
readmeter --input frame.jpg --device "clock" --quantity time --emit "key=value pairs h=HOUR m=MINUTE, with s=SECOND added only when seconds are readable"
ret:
h=9 m=59
